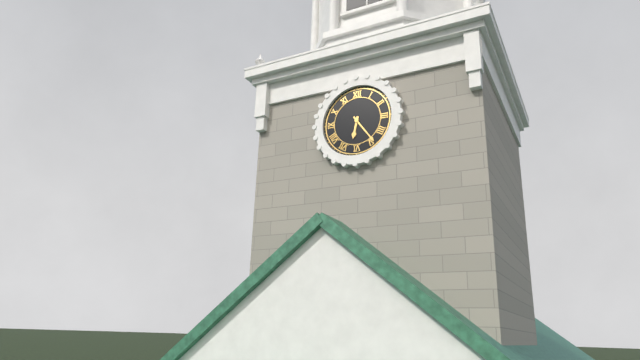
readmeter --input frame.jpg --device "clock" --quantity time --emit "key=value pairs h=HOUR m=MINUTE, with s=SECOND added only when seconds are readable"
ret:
h=6 m=24
